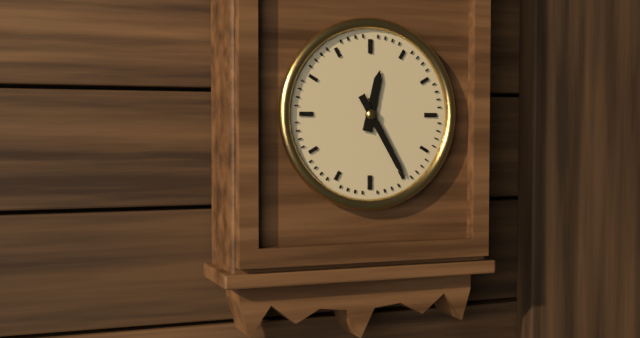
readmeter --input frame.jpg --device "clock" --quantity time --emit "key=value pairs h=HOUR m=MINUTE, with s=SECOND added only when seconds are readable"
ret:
h=12 m=25
